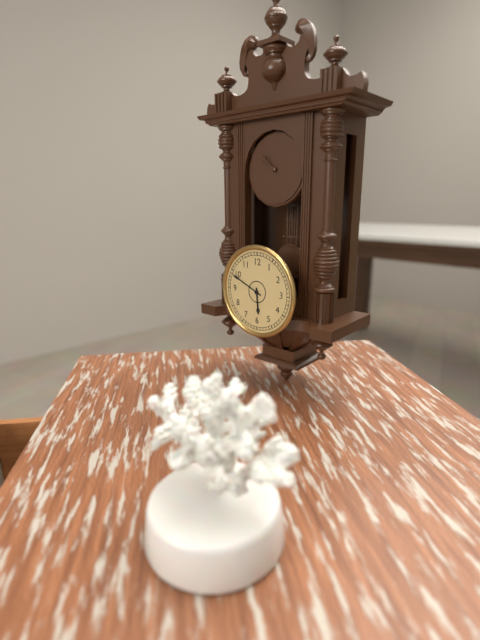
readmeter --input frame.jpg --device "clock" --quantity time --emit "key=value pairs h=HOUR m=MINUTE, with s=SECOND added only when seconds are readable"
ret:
h=5 m=49
